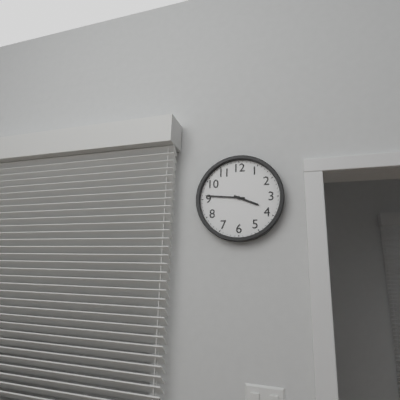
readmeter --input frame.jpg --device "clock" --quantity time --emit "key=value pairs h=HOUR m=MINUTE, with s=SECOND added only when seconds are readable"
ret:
h=3 m=46
